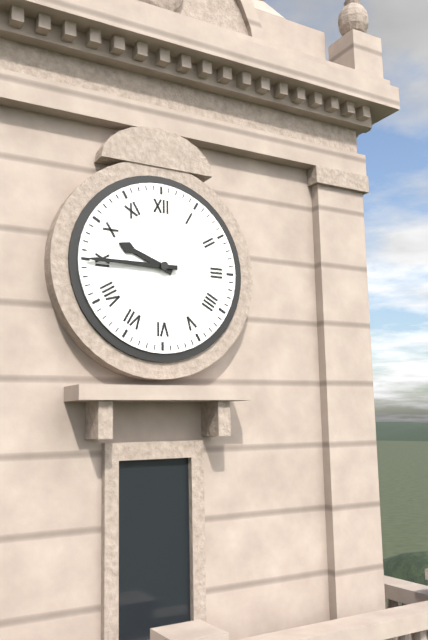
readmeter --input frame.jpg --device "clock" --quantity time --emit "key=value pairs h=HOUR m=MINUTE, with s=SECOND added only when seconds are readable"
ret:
h=9 m=45
